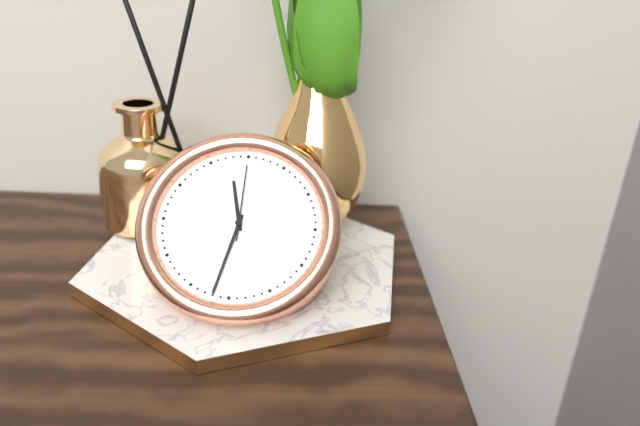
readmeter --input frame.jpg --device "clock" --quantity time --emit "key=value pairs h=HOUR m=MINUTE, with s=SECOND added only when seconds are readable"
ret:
h=11 m=32 s=0
